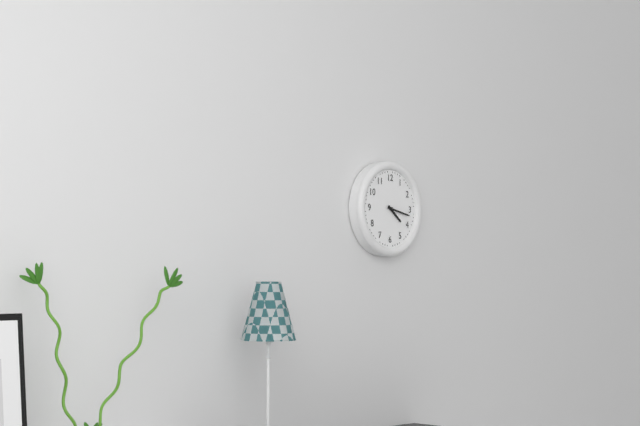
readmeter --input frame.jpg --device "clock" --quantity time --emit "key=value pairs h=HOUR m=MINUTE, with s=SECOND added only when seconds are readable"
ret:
h=4 m=17
